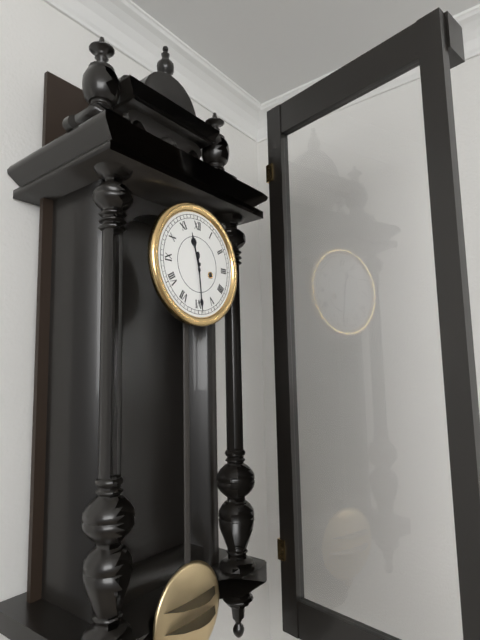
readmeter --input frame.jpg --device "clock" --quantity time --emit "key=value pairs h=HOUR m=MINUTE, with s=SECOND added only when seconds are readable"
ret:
h=11 m=29
